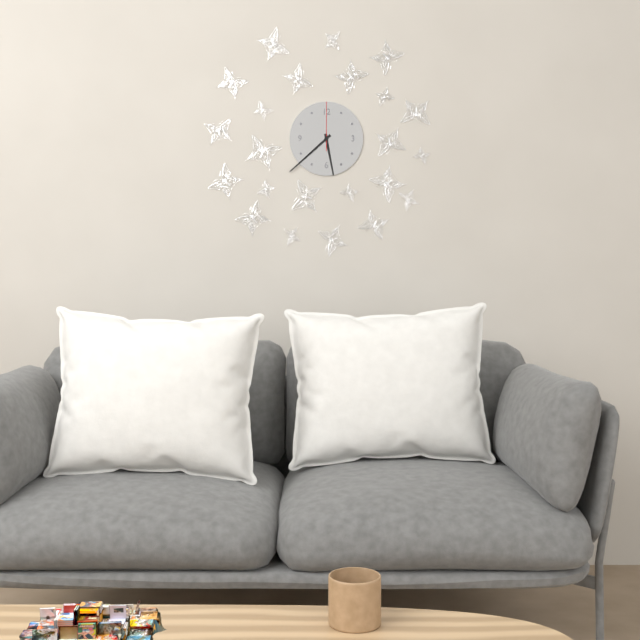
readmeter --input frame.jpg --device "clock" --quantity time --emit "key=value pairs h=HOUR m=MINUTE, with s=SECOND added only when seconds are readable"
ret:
h=5 m=38
